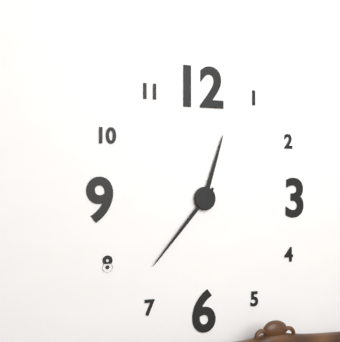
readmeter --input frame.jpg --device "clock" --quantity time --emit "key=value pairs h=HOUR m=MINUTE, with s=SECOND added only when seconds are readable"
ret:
h=12 m=37
